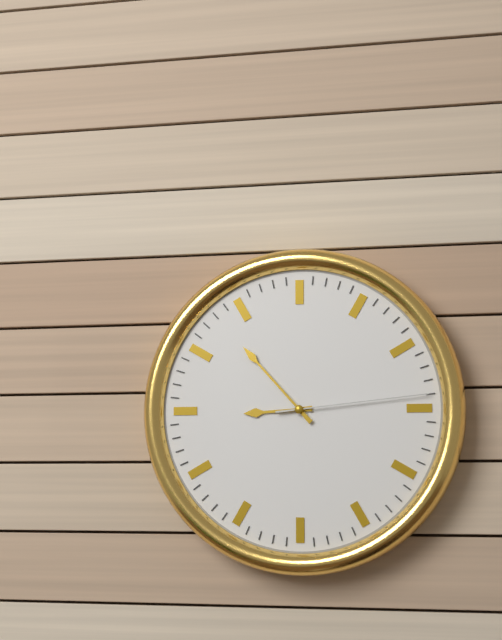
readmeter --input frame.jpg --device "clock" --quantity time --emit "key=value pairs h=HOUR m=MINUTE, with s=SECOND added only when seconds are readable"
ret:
h=8 m=53 s=14
